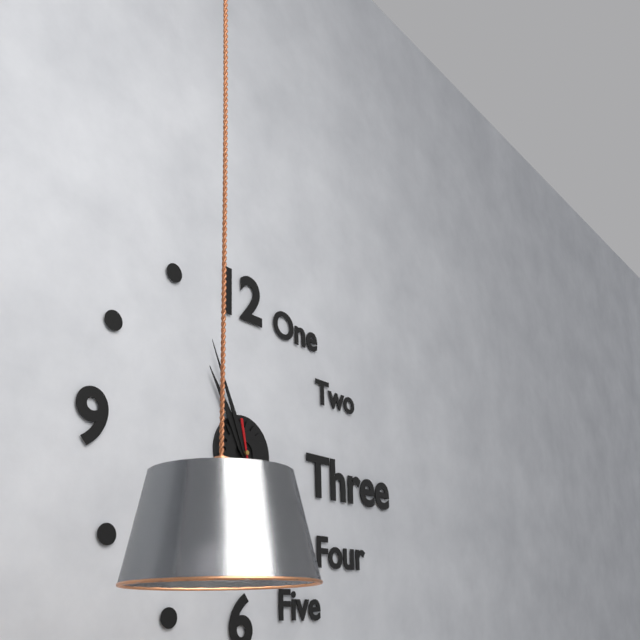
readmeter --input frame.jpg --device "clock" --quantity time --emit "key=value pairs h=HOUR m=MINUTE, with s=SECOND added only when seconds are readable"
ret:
h=10 m=56
